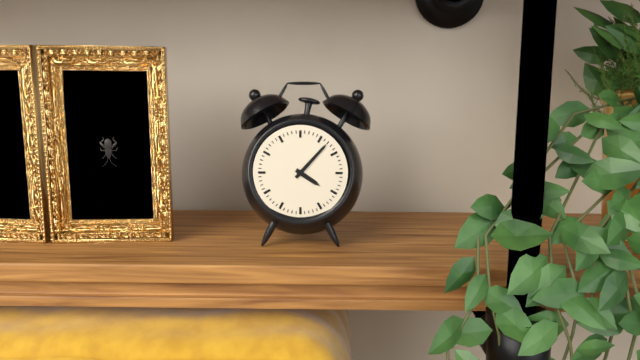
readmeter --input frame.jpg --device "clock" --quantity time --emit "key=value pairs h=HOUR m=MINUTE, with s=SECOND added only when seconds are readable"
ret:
h=4 m=7
